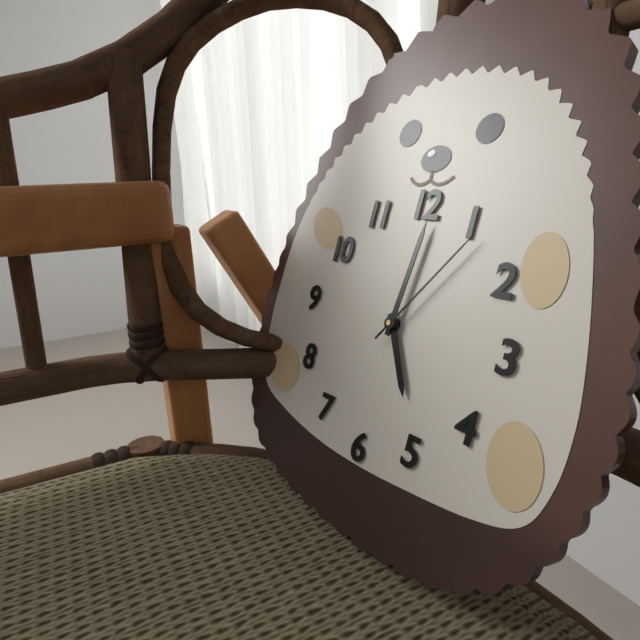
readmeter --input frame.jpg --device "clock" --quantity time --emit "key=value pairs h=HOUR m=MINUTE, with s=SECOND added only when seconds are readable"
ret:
h=5 m=1 s=6
